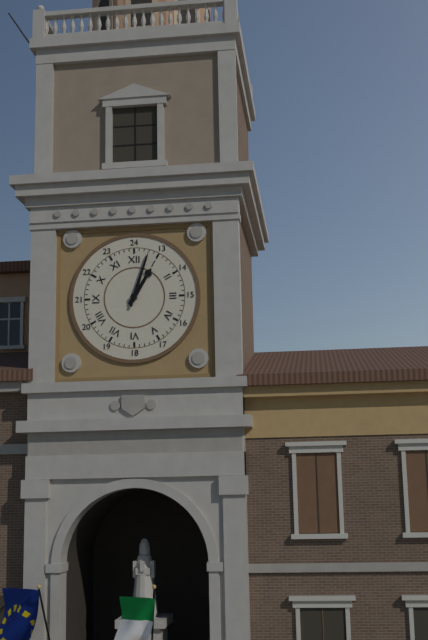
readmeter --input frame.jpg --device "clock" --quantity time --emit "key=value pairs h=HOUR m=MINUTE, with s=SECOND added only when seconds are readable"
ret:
h=1 m=3
